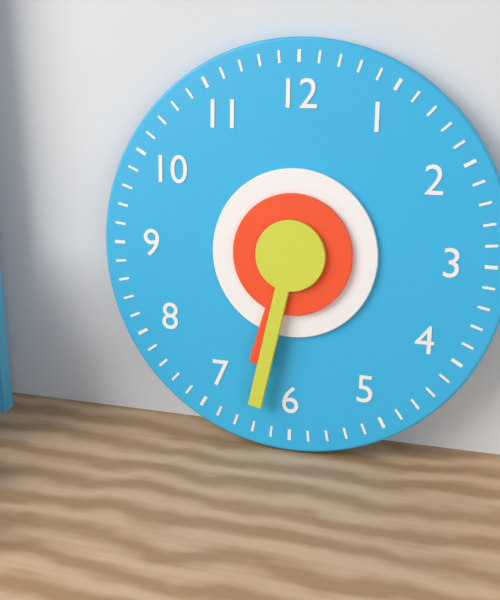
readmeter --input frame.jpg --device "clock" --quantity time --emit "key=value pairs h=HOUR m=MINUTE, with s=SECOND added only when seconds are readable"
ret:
h=6 m=32
